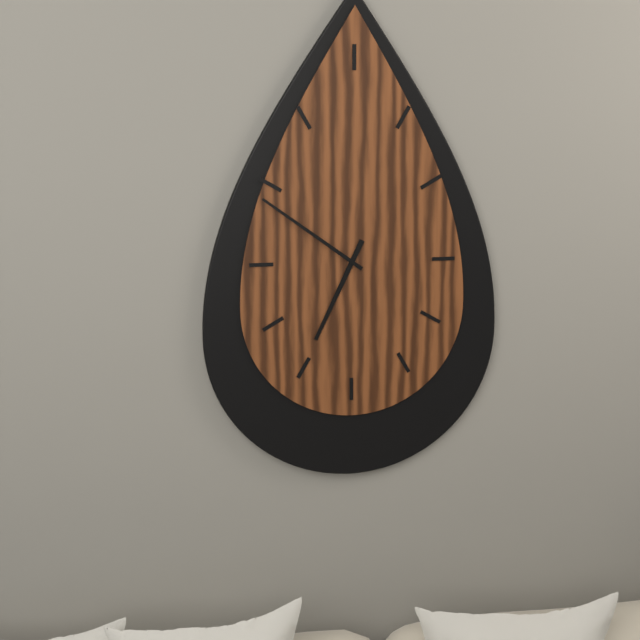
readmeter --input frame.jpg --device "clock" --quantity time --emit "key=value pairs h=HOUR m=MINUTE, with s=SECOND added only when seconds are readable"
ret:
h=6 m=51
